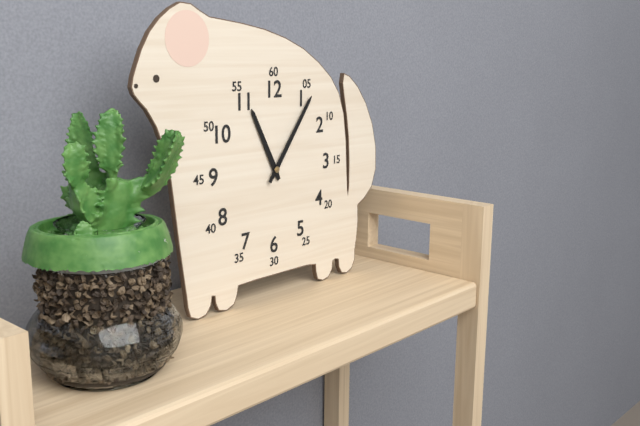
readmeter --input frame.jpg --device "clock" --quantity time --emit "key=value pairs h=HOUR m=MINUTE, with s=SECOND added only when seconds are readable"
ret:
h=11 m=6
